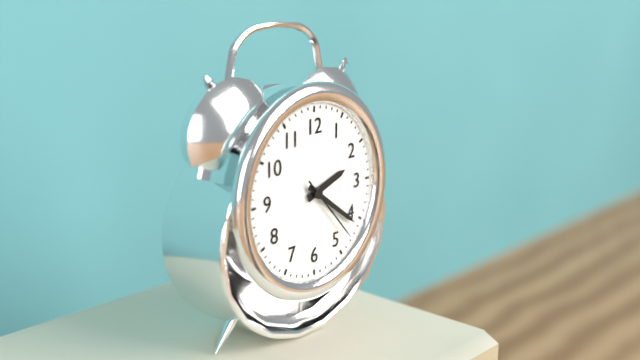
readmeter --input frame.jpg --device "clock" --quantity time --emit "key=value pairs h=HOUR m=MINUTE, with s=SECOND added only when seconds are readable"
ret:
h=2 m=21 s=23
